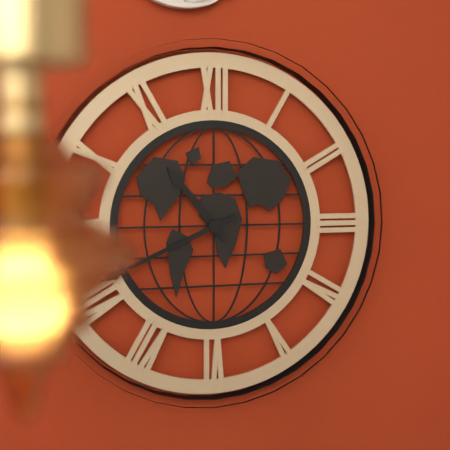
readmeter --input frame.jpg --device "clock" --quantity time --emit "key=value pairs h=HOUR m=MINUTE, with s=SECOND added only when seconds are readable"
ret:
h=10 m=41
